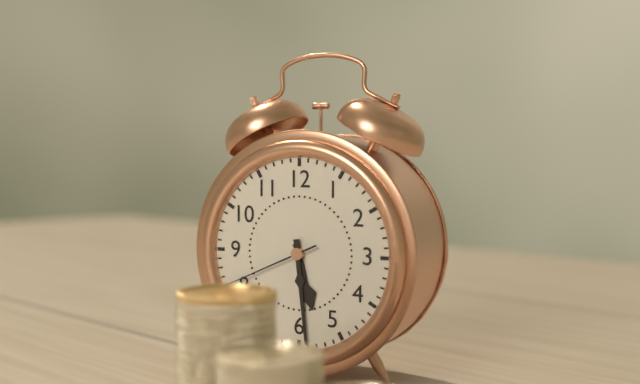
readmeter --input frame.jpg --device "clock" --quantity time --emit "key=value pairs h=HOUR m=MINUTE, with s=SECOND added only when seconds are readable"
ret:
h=5 m=29 s=41
